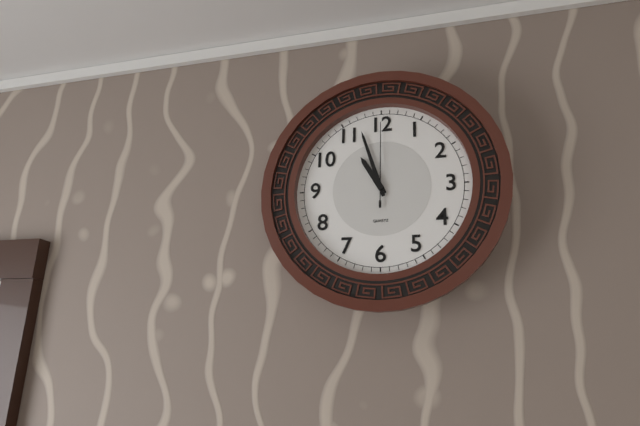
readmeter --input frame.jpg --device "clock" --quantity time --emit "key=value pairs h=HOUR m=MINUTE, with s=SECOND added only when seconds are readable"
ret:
h=10 m=57 s=0
